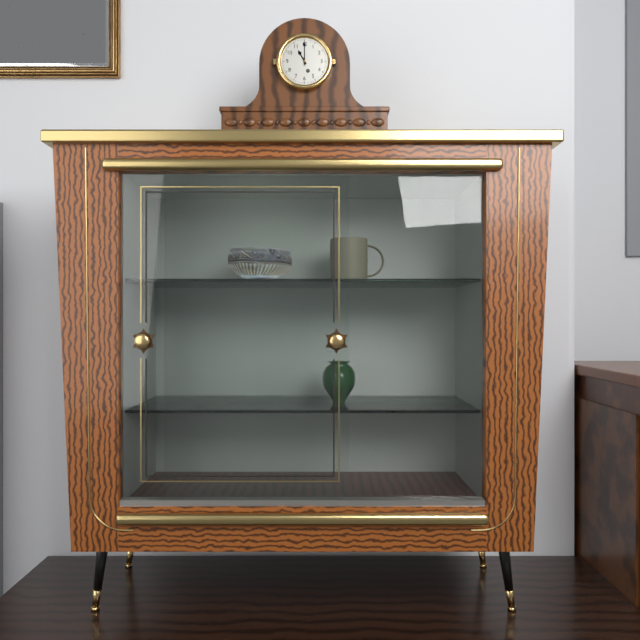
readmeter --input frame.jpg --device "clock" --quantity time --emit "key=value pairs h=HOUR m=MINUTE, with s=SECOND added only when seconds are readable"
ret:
h=11 m=0
